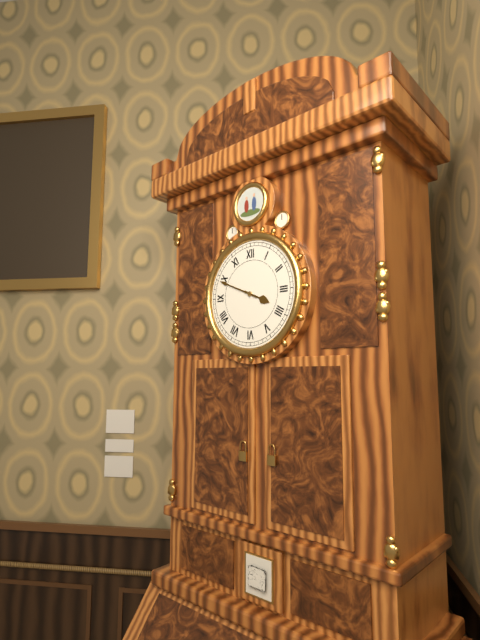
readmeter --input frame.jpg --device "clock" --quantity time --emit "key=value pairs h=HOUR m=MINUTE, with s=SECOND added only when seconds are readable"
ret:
h=3 m=49
